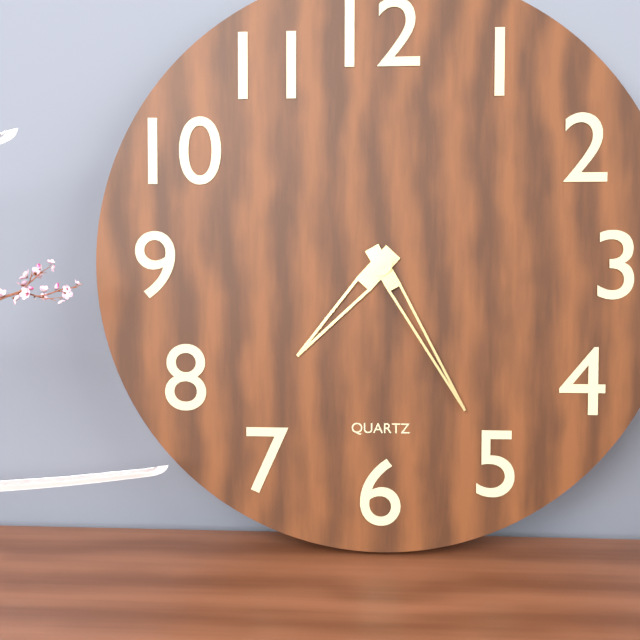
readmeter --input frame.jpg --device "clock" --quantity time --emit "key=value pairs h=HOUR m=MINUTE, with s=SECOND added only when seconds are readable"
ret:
h=7 m=25
